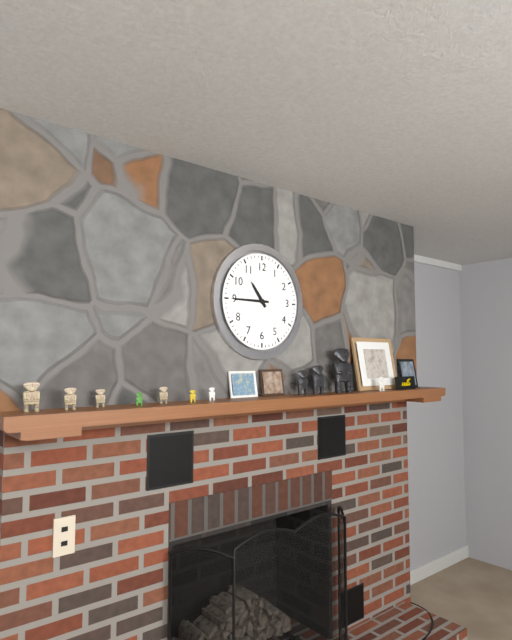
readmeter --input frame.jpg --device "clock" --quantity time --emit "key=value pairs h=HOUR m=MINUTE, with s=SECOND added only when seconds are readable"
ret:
h=10 m=45
